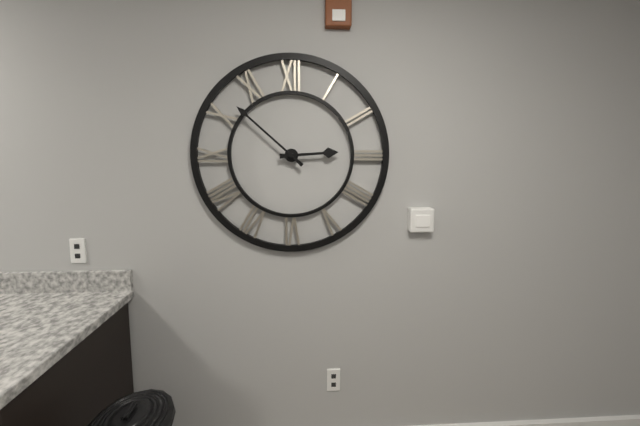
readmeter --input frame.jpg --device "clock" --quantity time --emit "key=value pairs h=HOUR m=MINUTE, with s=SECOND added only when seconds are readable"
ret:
h=2 m=52
